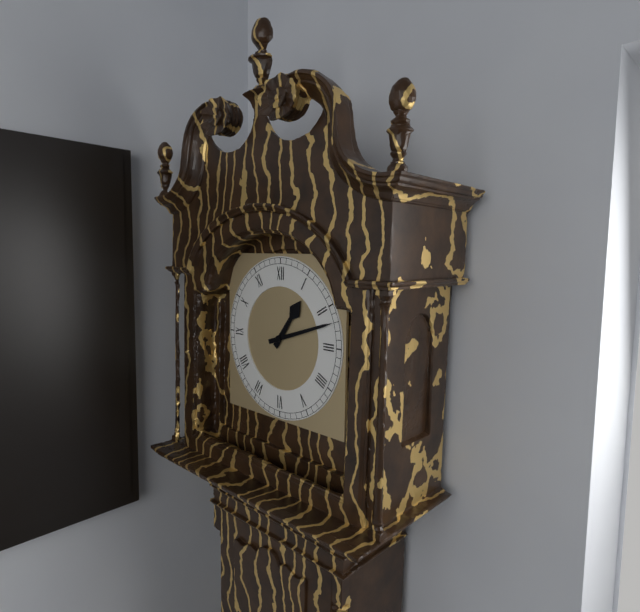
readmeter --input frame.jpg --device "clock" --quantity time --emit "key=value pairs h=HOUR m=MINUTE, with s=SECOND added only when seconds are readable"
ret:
h=1 m=12
